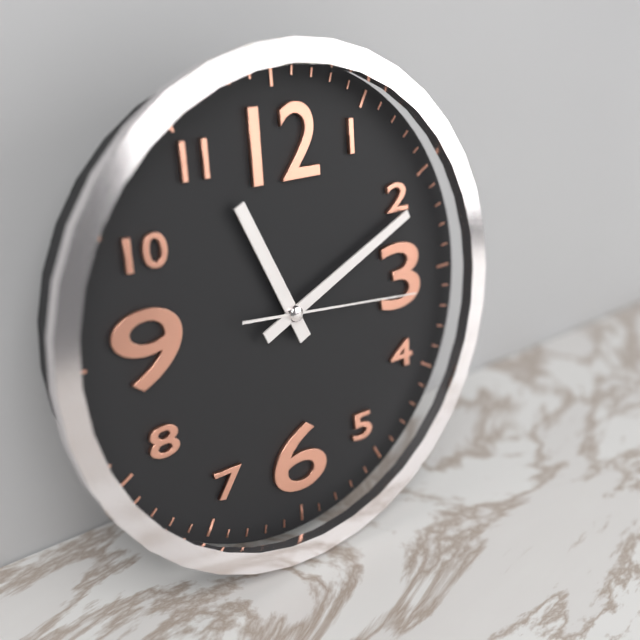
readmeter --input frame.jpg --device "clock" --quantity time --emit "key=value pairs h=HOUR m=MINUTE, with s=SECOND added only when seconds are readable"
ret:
h=11 m=11 s=16
